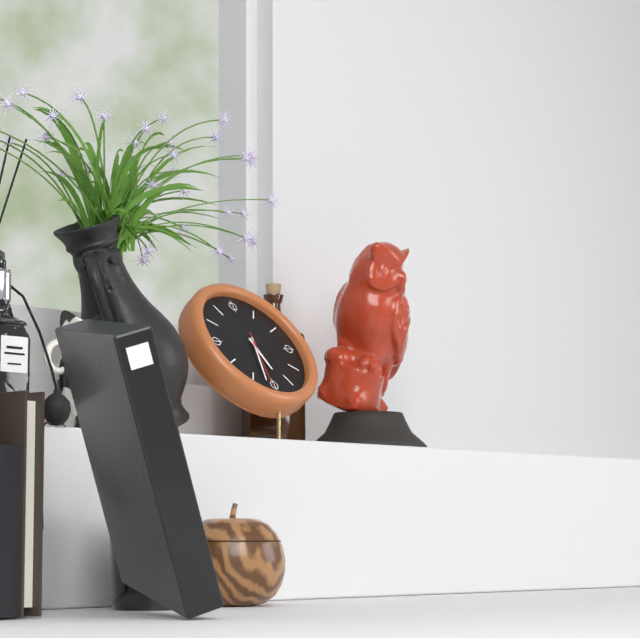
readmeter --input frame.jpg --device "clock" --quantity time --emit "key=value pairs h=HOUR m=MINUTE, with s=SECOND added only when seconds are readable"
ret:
h=5 m=32 s=31
